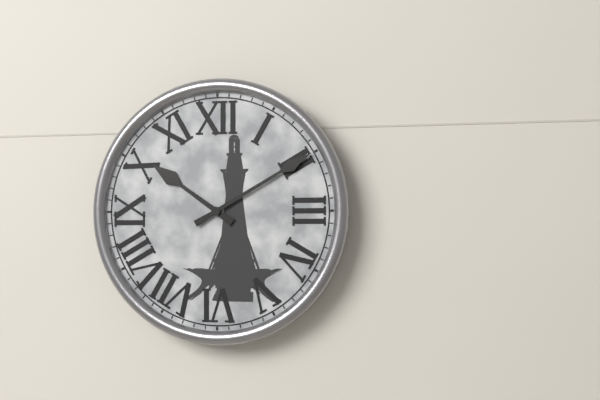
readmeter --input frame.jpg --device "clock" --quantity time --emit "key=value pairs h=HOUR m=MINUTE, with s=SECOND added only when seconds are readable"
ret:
h=10 m=10
